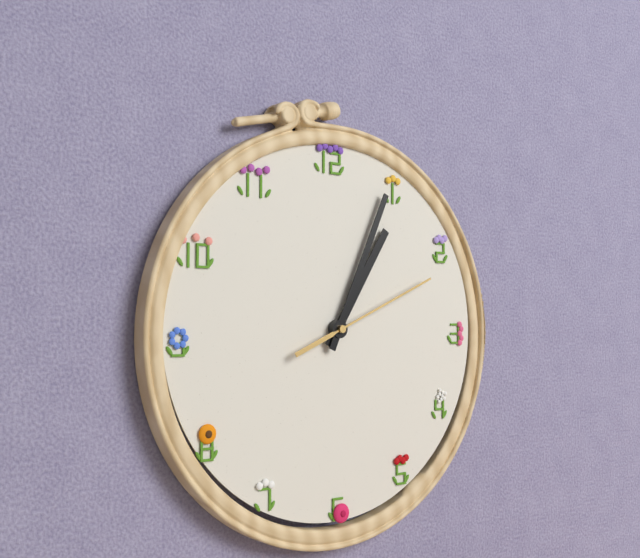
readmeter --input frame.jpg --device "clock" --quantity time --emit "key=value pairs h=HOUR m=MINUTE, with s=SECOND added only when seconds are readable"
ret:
h=1 m=4 s=11
